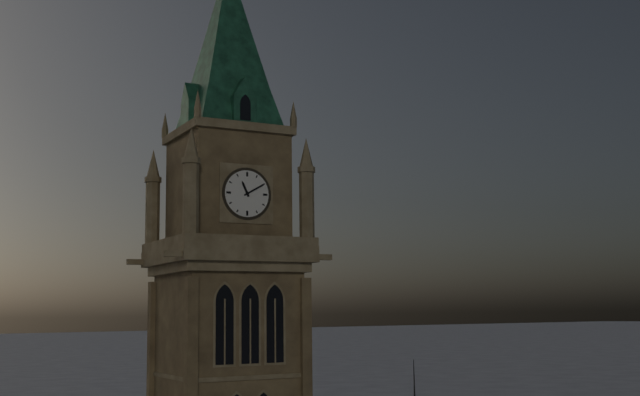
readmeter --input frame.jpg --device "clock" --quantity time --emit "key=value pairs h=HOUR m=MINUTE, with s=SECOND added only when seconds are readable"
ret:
h=11 m=10
